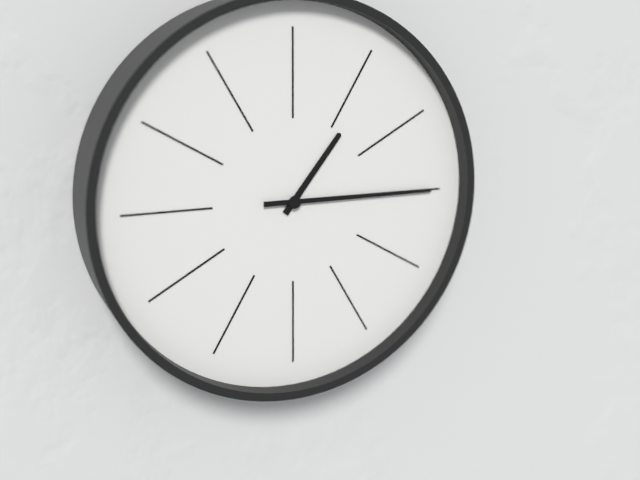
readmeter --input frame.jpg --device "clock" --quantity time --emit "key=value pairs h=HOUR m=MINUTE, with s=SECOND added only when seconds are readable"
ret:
h=1 m=15
